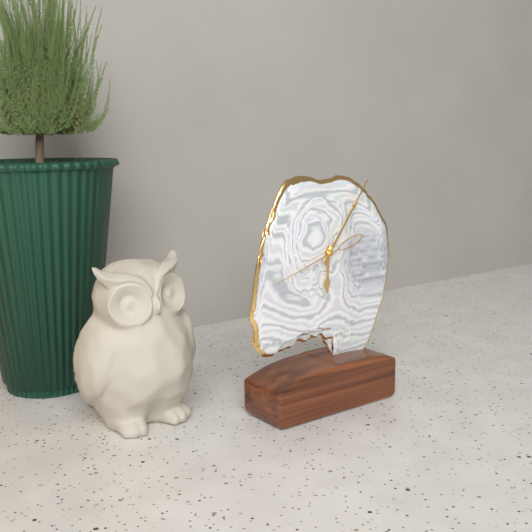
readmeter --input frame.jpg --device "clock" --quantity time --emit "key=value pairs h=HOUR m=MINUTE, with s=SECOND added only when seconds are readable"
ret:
h=6 m=6 s=42
